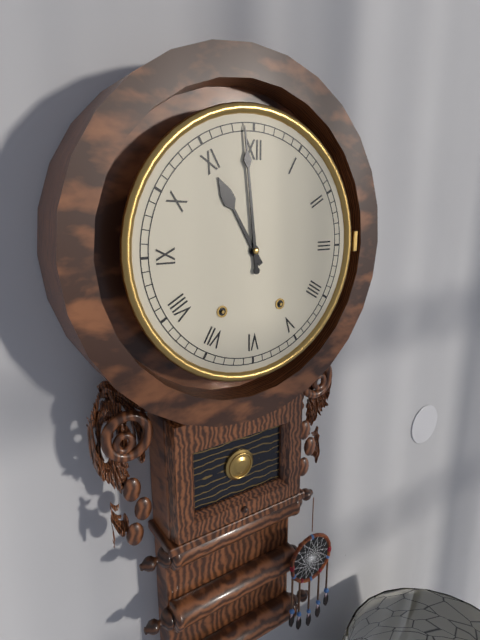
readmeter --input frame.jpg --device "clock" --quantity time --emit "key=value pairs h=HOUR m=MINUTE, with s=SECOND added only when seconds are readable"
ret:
h=10 m=59
